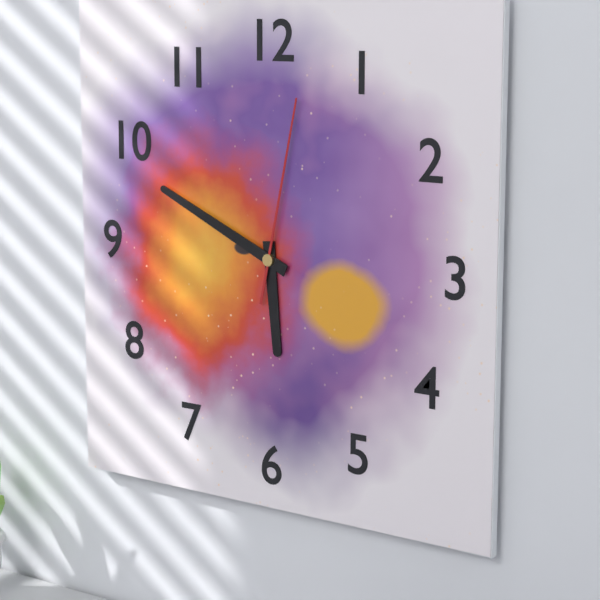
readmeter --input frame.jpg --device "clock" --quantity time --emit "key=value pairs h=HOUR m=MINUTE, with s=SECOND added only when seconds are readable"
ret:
h=5 m=49 s=2
